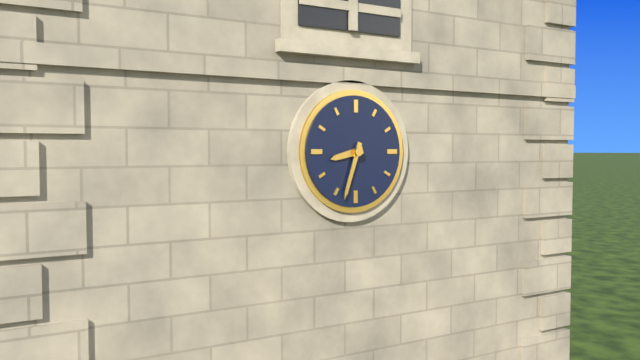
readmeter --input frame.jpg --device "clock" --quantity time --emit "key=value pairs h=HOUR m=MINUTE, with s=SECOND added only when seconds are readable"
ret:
h=8 m=33
